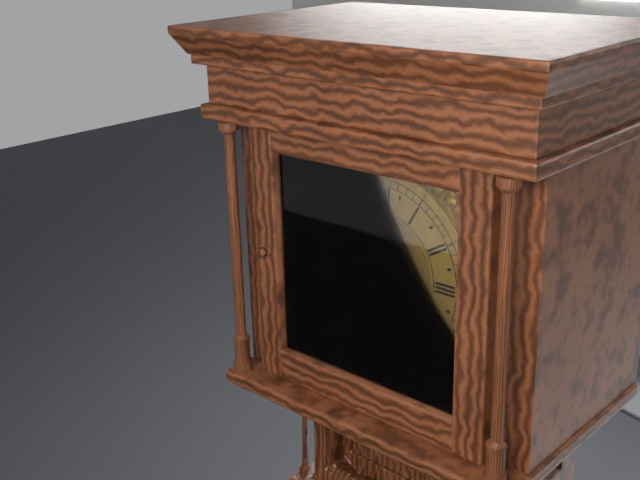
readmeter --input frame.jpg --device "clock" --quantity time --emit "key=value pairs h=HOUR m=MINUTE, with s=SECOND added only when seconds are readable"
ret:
h=11 m=49
